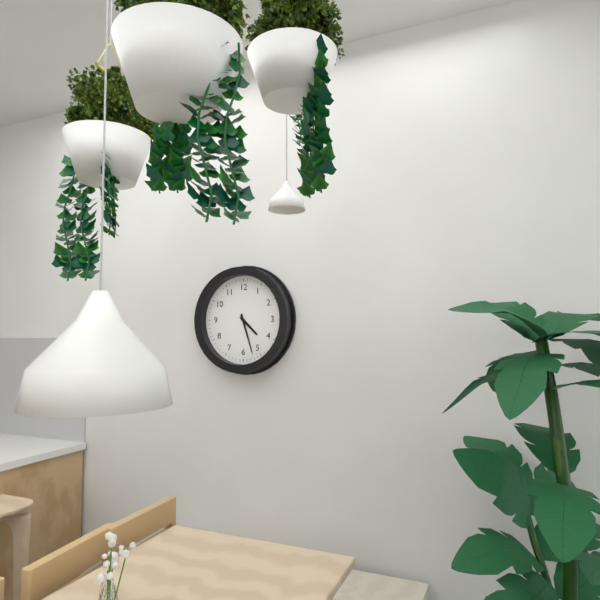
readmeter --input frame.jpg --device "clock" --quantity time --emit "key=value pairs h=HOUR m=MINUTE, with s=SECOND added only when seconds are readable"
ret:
h=4 m=27
